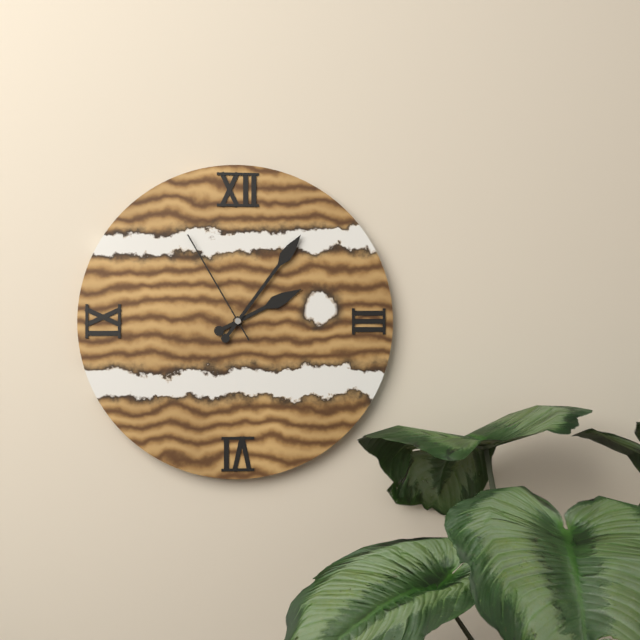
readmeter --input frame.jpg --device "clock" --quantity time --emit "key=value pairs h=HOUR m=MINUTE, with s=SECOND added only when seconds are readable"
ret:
h=2 m=6 s=55
